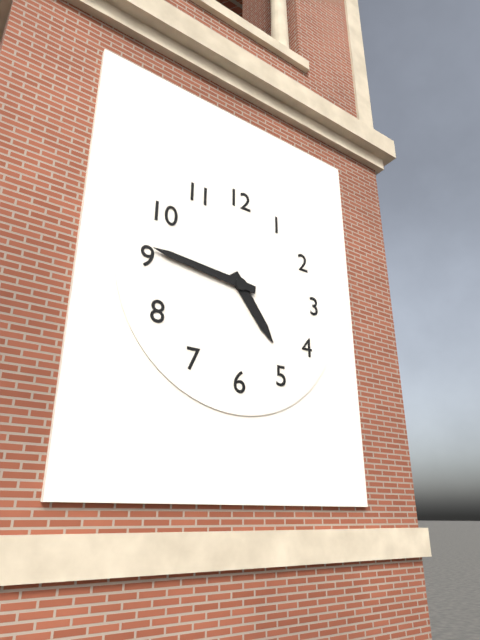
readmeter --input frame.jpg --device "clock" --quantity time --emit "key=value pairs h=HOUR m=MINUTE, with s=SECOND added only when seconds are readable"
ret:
h=4 m=46
